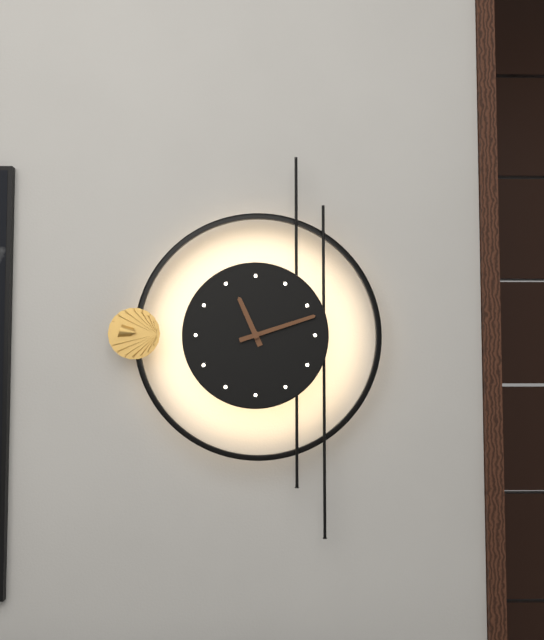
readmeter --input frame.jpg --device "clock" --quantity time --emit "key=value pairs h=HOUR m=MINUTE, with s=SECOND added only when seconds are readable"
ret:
h=11 m=12
